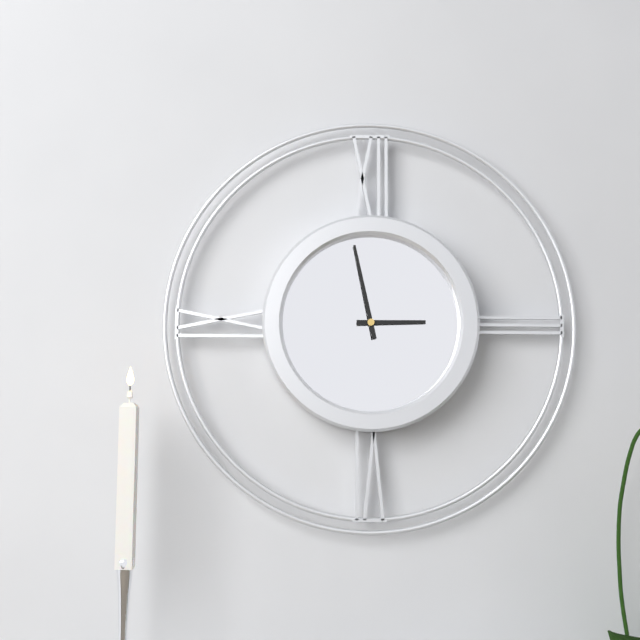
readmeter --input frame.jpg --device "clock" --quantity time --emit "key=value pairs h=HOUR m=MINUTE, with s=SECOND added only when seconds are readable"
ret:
h=2 m=58
